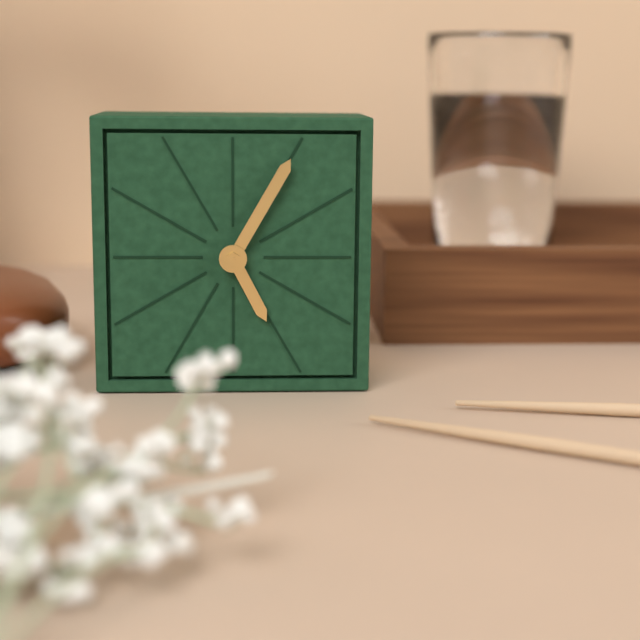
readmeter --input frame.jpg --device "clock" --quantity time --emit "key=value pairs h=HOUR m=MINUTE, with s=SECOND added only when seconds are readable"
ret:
h=5 m=5
